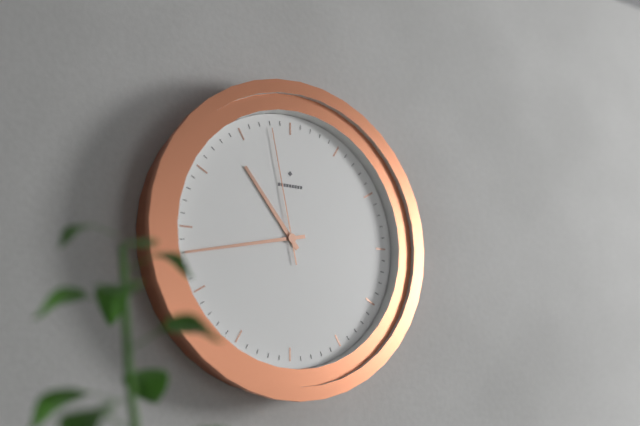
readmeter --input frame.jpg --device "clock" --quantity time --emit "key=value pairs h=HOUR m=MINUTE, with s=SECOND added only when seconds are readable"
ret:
h=10 m=43 s=58
